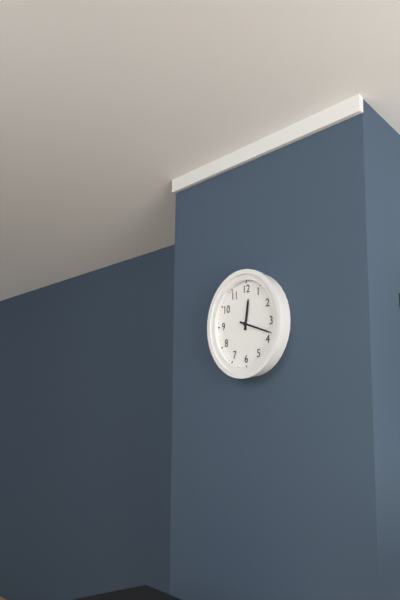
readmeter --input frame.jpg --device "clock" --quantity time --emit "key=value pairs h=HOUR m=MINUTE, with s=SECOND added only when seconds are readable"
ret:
h=12 m=18
